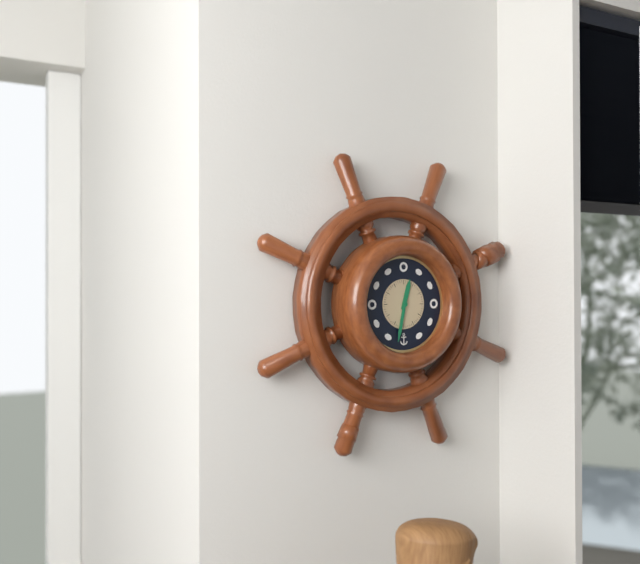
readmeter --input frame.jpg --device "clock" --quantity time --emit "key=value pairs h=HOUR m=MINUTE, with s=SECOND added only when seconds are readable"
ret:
h=12 m=32
